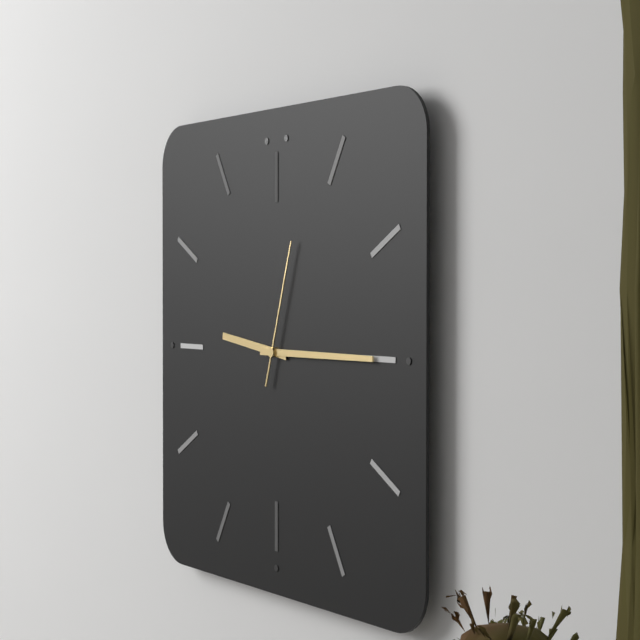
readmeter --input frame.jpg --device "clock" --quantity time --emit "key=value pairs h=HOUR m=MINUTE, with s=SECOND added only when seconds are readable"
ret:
h=9 m=15 s=3
